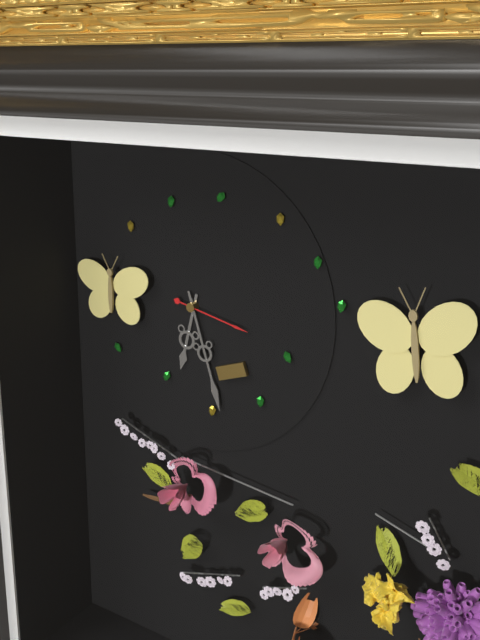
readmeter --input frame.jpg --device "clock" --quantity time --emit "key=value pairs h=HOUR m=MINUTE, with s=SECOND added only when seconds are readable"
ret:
h=6 m=27 s=17
